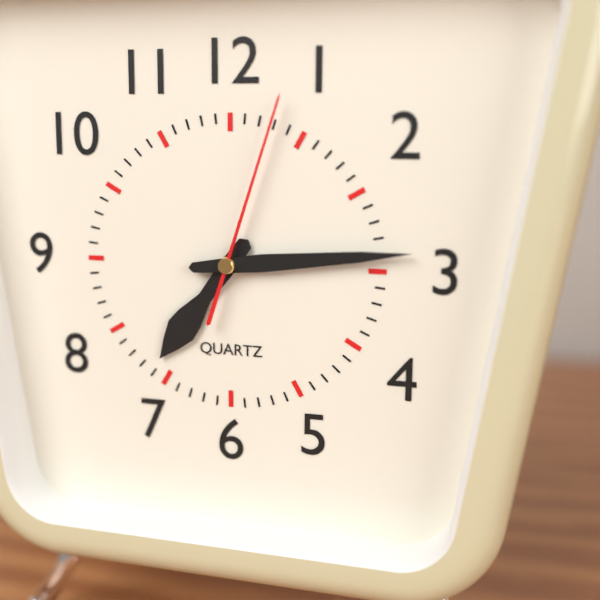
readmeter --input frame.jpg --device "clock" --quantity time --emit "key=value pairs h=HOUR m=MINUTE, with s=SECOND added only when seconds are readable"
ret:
h=7 m=14 s=3
